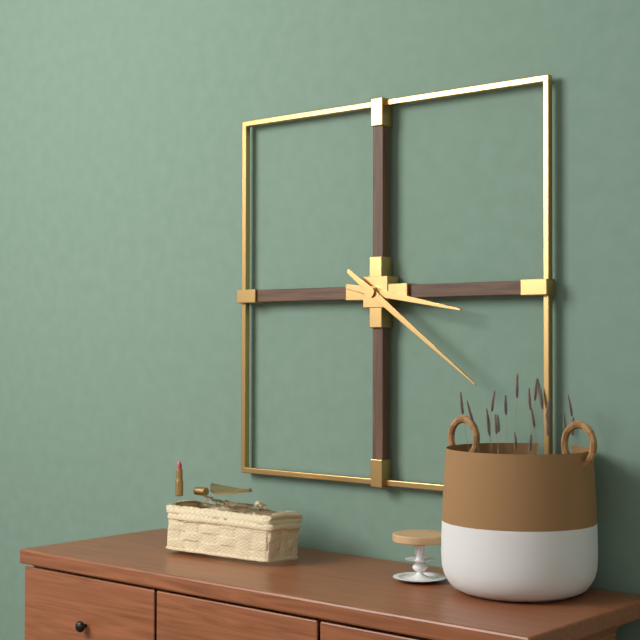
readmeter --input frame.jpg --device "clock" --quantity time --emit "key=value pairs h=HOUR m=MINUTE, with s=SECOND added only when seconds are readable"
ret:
h=3 m=21
